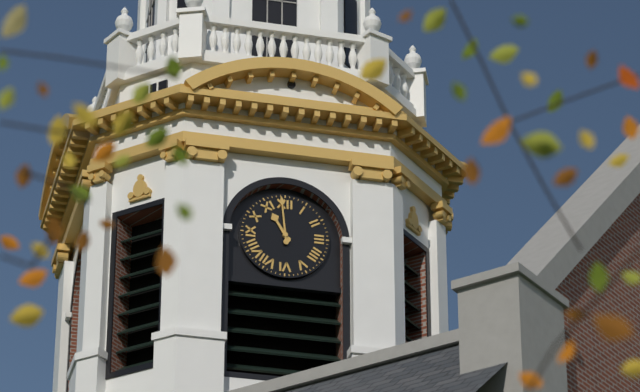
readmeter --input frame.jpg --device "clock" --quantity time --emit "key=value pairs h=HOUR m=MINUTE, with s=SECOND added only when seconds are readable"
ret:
h=10 m=59
